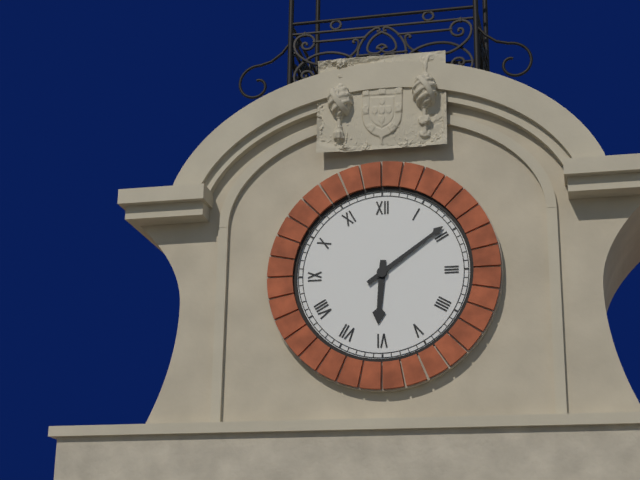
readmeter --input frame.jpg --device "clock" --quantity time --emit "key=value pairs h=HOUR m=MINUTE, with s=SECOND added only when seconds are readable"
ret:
h=6 m=9
